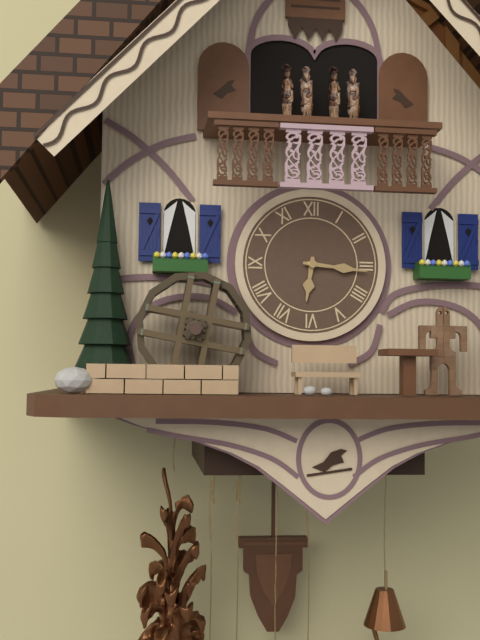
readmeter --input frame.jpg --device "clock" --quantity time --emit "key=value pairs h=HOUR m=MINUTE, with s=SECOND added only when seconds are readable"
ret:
h=6 m=16
